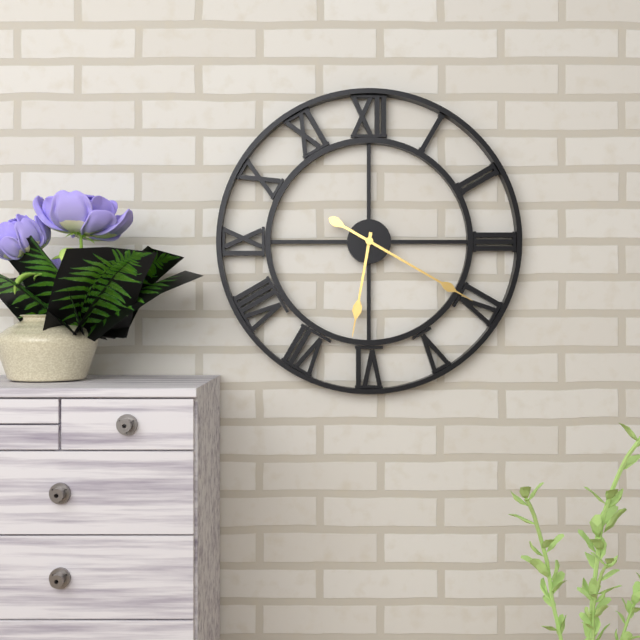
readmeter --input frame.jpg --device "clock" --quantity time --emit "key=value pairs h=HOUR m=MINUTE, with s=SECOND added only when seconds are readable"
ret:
h=6 m=20
